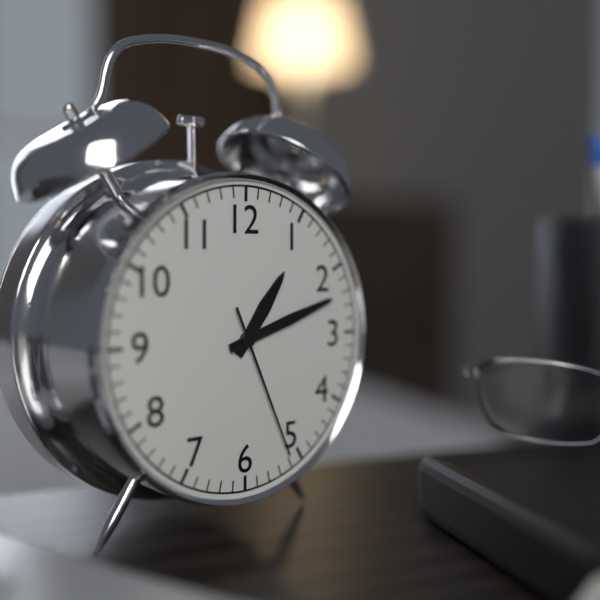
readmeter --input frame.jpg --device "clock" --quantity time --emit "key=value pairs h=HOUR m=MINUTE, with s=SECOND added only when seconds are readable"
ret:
h=1 m=12 s=26
